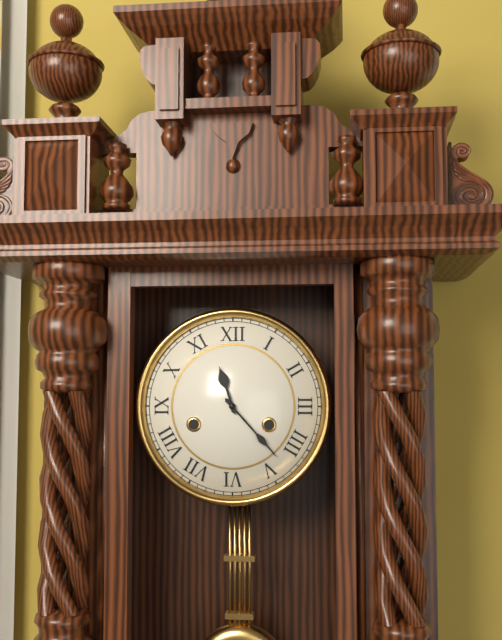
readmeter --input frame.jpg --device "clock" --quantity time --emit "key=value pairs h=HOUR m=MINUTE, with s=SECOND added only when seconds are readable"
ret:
h=11 m=23
